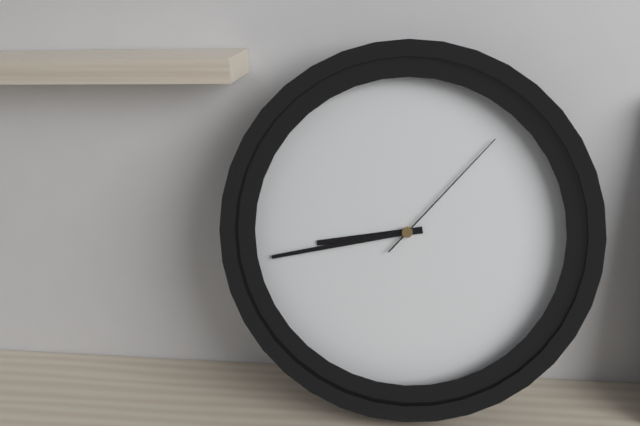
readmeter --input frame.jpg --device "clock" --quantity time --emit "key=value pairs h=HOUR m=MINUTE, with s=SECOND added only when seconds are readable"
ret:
h=8 m=43 s=7
